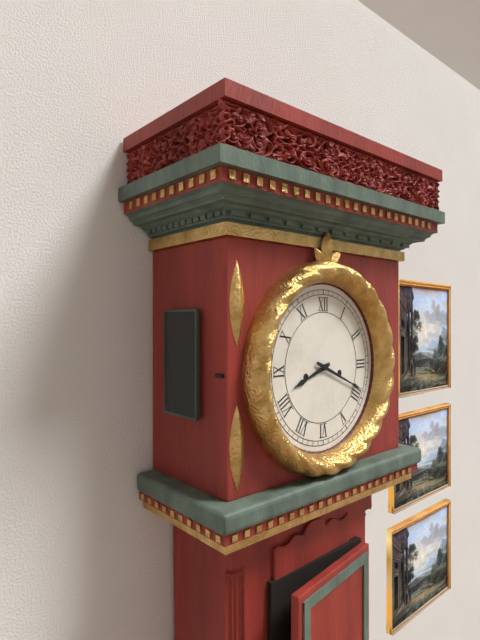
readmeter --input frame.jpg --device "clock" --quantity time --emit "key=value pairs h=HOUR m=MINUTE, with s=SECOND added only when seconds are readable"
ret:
h=8 m=19
